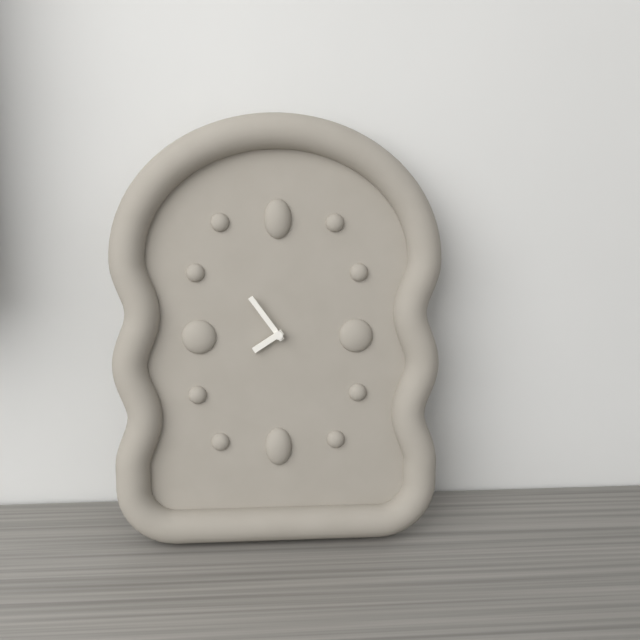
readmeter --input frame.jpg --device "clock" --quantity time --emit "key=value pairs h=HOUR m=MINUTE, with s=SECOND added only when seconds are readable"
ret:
h=7 m=54
